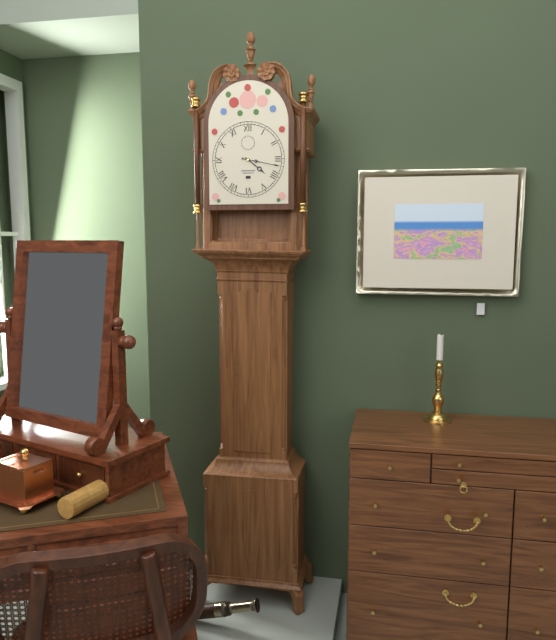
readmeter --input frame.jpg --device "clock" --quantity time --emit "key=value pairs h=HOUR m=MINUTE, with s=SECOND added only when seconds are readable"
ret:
h=4 m=17
